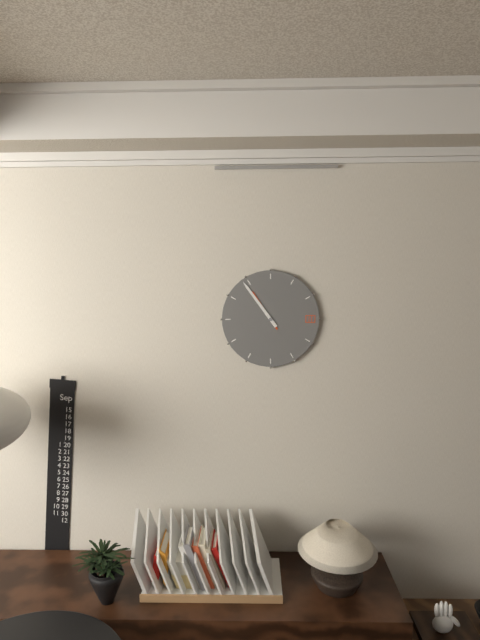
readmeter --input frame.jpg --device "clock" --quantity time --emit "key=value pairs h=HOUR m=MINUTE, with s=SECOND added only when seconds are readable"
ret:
h=10 m=54
